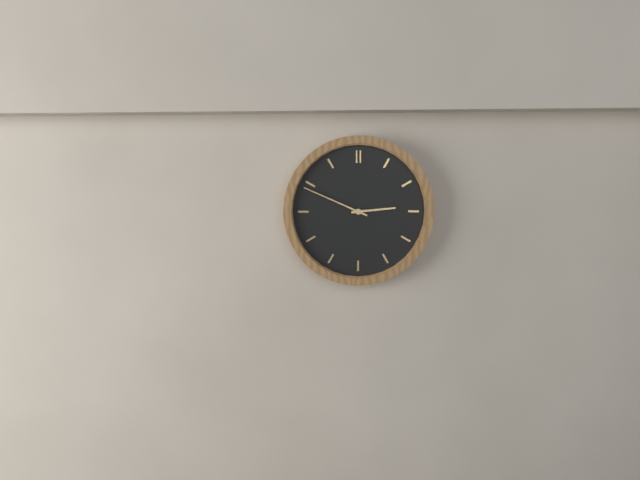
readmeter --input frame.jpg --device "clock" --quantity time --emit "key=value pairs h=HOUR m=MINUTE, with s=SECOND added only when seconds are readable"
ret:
h=2 m=49
